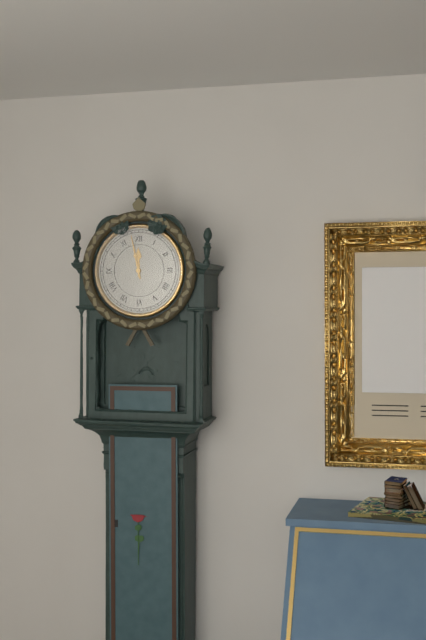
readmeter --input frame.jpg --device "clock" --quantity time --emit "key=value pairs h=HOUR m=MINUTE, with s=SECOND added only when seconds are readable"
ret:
h=11 m=58
